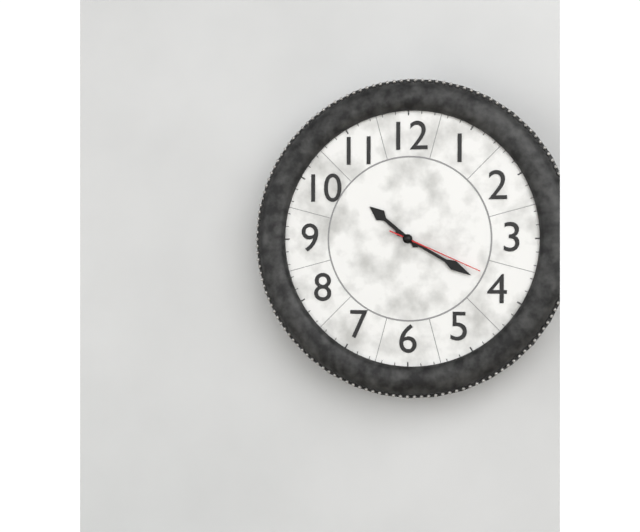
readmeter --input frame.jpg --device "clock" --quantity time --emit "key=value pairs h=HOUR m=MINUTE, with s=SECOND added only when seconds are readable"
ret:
h=10 m=20 s=19
